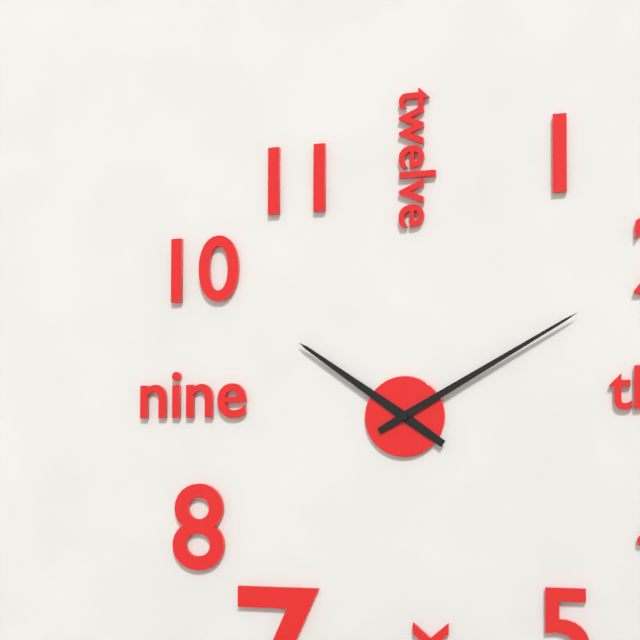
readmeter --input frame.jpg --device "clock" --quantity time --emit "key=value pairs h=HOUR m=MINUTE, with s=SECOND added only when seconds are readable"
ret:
h=10 m=10
